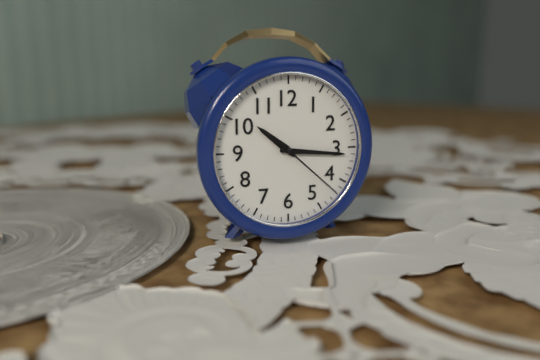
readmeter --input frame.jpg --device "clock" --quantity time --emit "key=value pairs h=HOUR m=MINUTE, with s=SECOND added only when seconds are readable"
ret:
h=10 m=16 s=22
